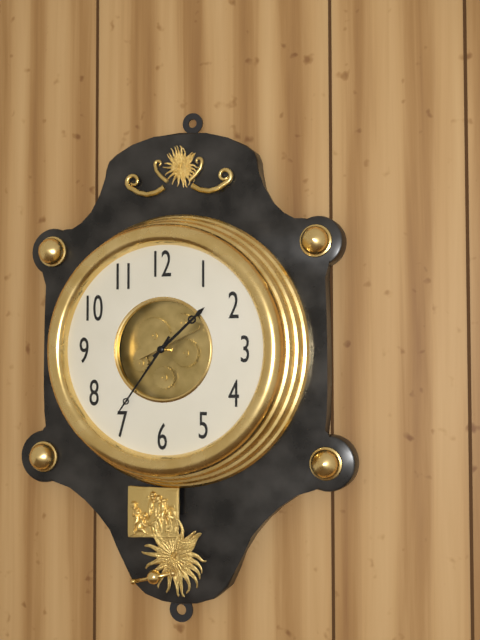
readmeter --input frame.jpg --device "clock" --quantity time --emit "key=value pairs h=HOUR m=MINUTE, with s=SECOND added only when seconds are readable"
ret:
h=1 m=36
